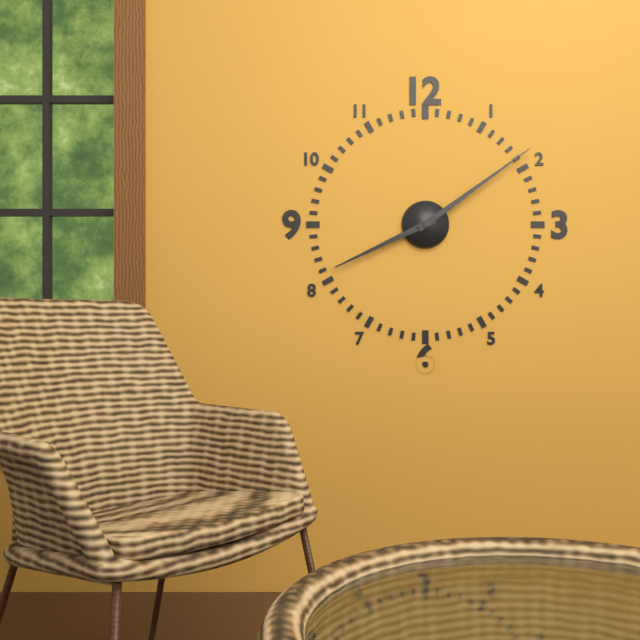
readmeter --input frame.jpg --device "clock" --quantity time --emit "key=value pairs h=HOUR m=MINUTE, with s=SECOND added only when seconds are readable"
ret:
h=8 m=9
